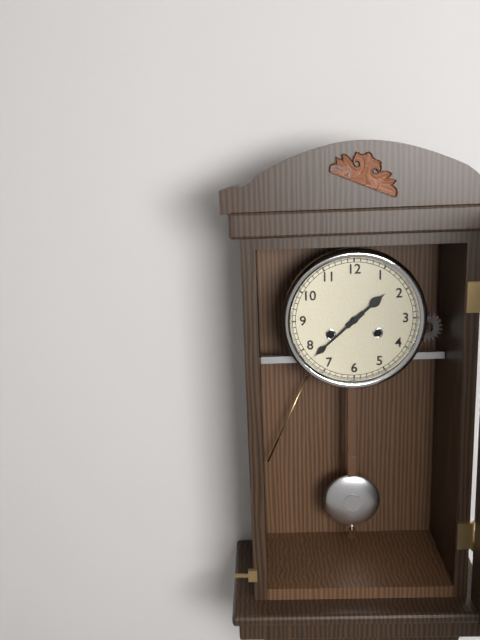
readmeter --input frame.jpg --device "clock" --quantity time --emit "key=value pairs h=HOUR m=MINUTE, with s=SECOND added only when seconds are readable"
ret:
h=1 m=38
